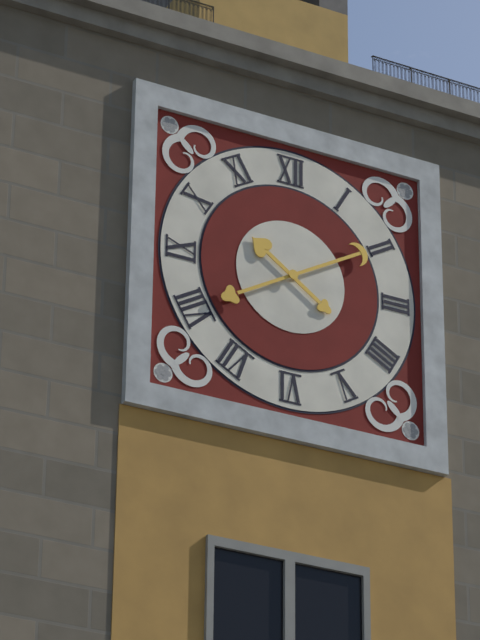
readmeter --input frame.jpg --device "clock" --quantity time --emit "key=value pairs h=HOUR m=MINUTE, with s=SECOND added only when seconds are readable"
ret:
h=10 m=10
